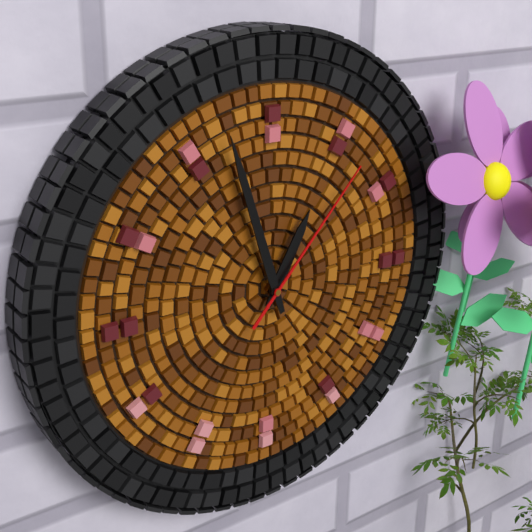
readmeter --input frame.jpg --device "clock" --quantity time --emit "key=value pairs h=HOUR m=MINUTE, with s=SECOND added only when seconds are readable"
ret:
h=12 m=57 s=7
